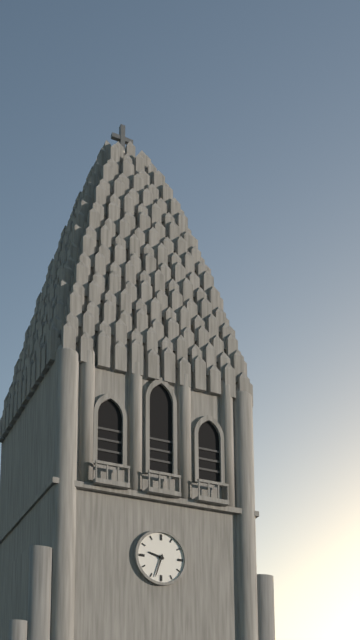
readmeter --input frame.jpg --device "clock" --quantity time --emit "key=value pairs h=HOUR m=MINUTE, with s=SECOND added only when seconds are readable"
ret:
h=9 m=33
